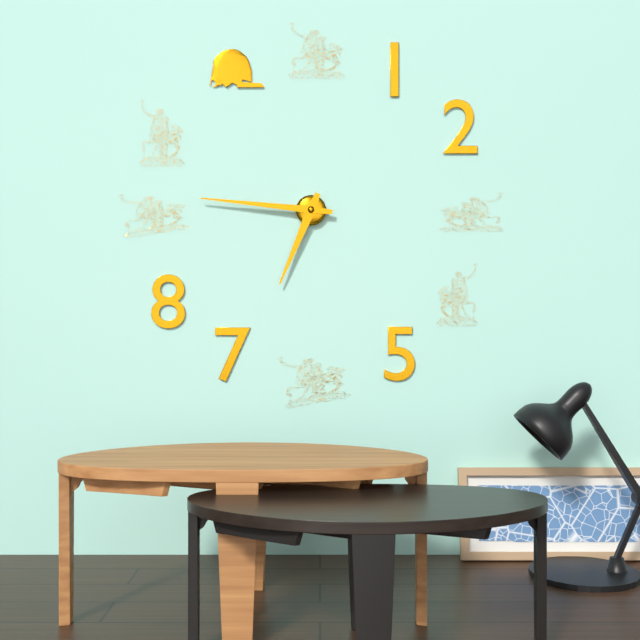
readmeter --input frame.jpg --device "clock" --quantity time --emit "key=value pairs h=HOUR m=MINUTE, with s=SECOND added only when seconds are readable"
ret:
h=6 m=46
